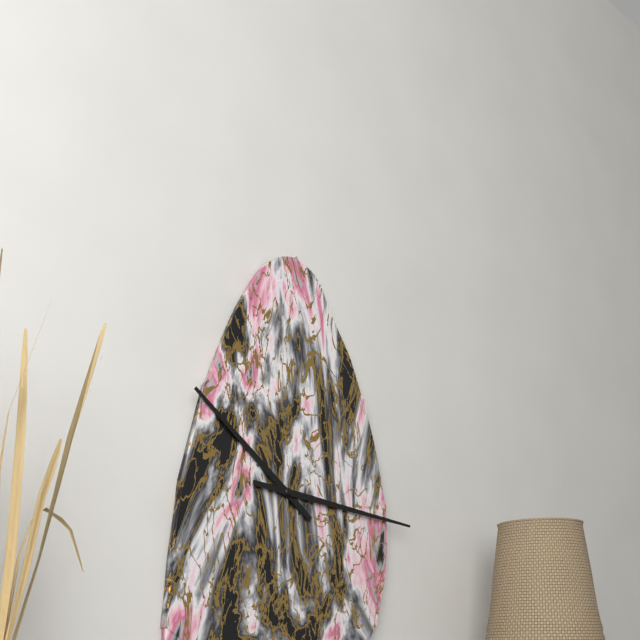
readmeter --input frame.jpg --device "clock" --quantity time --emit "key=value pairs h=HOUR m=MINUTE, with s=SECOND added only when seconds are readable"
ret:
h=10 m=16
